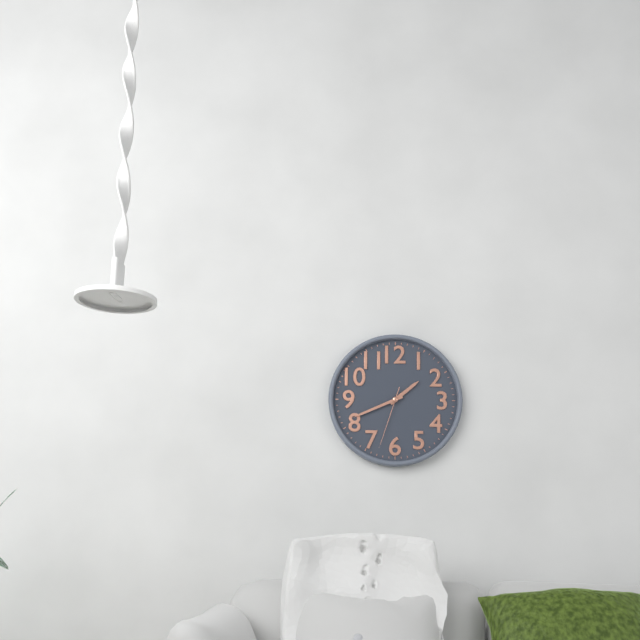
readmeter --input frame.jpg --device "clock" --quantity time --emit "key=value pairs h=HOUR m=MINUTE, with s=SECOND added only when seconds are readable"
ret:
h=1 m=41 s=33
